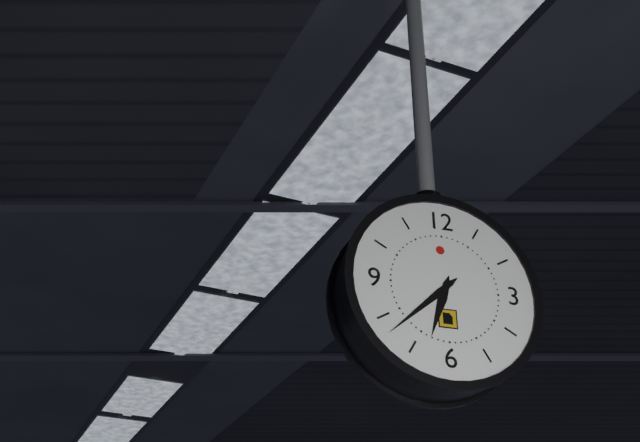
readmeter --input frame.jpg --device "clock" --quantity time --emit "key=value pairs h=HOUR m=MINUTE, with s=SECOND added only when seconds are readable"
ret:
h=6 m=38
